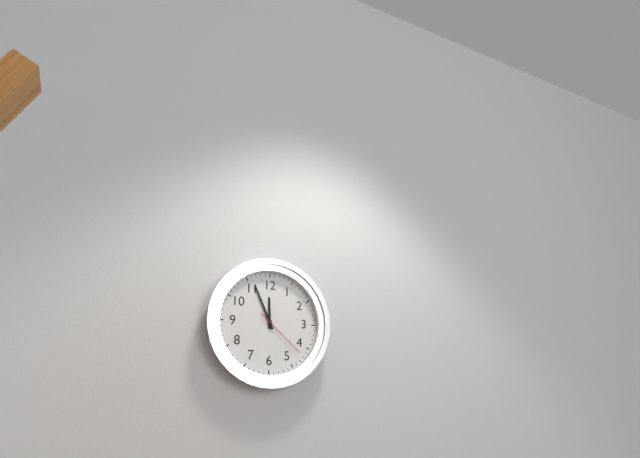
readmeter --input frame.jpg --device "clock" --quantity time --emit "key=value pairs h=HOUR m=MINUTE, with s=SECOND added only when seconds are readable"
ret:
h=11 m=56 s=22
